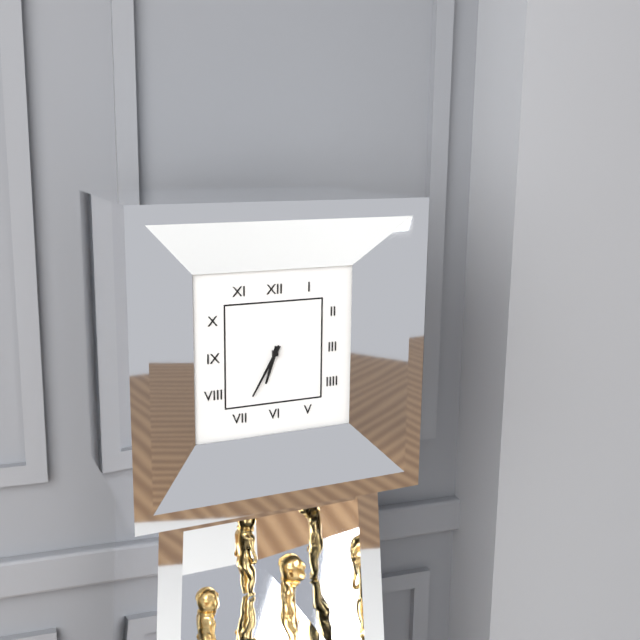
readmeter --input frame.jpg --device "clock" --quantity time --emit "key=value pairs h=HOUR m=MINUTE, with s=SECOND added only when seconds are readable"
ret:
h=6 m=35
